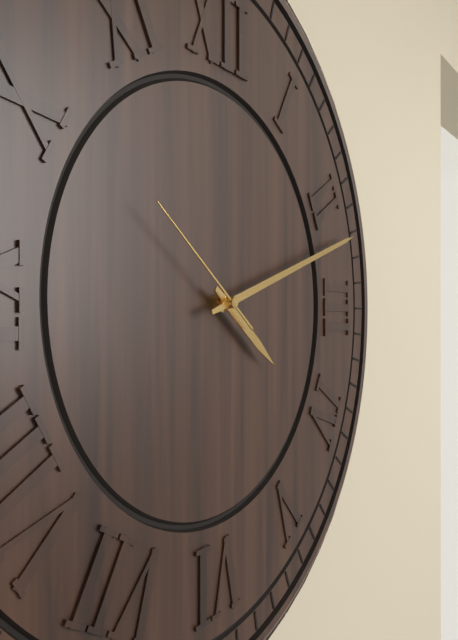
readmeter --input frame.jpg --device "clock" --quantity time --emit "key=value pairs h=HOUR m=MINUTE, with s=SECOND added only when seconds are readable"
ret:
h=4 m=12 s=51
